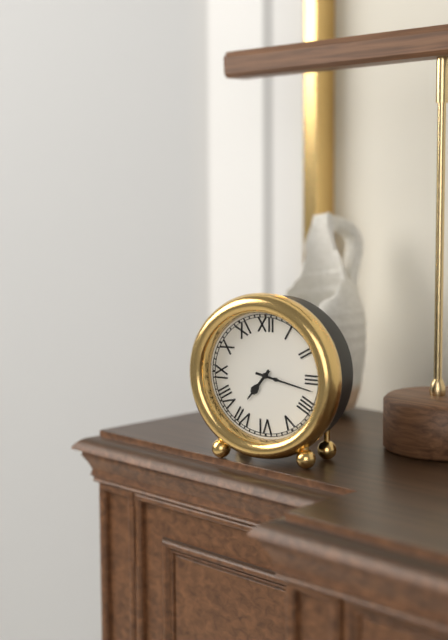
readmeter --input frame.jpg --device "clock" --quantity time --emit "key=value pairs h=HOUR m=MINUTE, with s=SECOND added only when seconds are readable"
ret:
h=7 m=17
